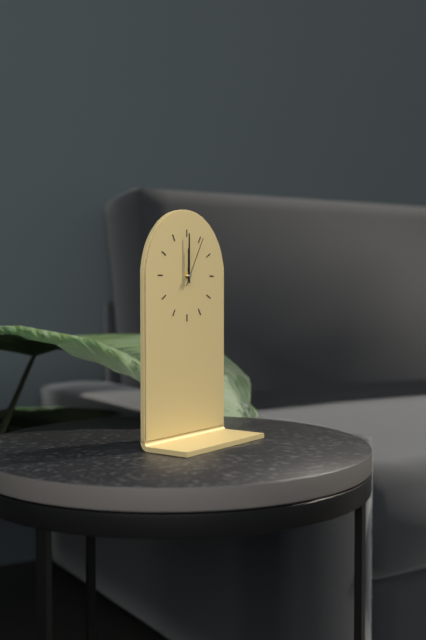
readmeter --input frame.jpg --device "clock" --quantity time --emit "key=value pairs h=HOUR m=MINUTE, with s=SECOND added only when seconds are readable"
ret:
h=12 m=0
